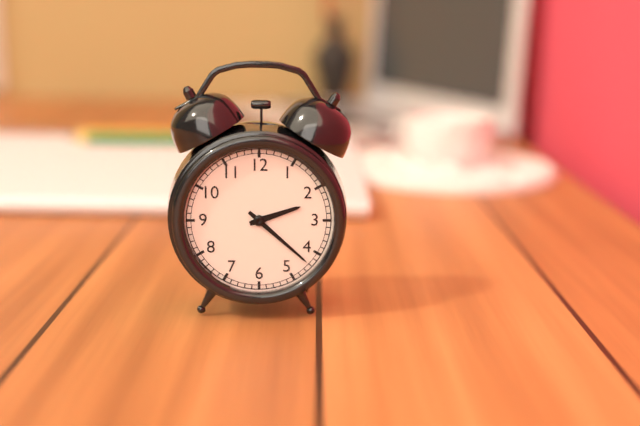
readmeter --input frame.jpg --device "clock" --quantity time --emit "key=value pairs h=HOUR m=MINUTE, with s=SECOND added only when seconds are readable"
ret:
h=2 m=22
